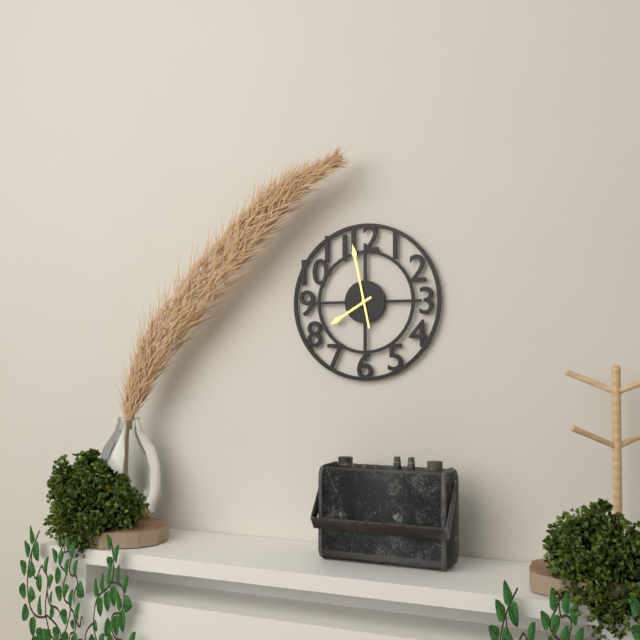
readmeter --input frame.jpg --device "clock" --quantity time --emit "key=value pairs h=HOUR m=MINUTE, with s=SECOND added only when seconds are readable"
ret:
h=7 m=58
